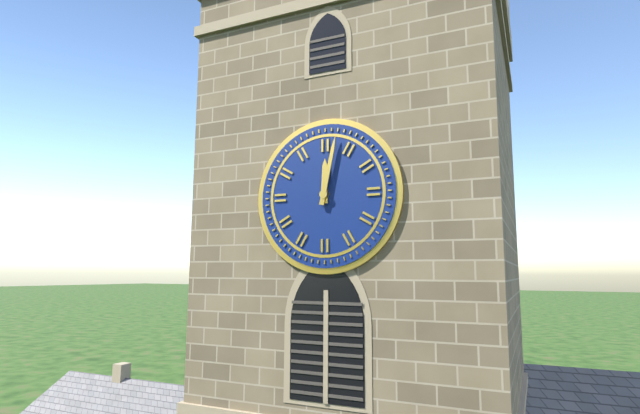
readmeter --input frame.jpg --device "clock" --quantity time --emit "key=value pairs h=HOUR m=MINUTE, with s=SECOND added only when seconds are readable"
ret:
h=12 m=2
